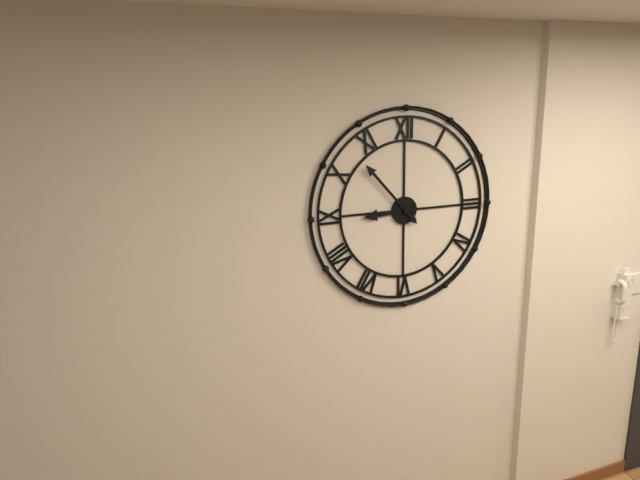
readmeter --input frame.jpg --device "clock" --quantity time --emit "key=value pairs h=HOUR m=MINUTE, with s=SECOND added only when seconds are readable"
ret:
h=8 m=53
